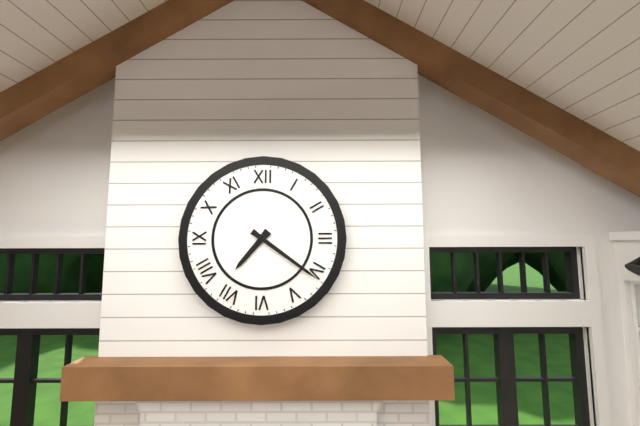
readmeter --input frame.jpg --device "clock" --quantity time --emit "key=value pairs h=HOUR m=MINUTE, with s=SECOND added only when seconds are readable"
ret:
h=7 m=21
